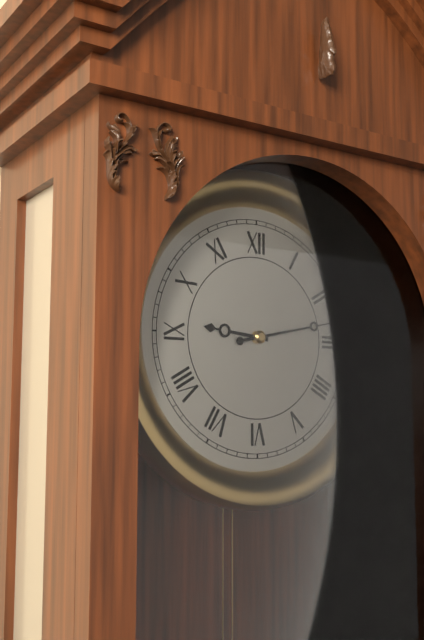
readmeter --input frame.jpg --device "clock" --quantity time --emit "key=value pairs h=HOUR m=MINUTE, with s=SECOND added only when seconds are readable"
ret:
h=9 m=13
